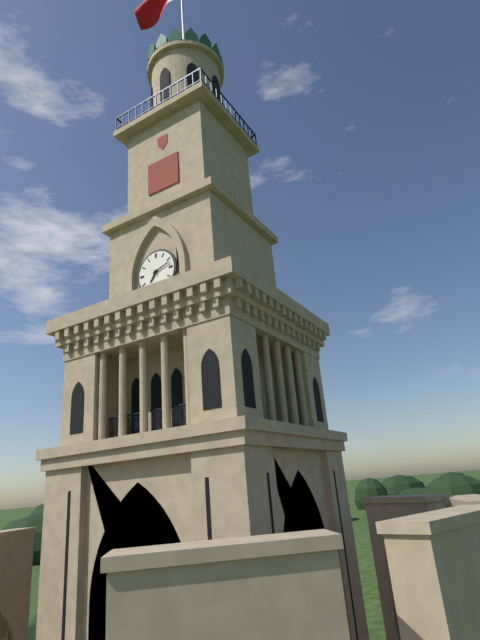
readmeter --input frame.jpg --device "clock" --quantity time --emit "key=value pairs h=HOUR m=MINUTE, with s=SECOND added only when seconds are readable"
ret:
h=7 m=12
